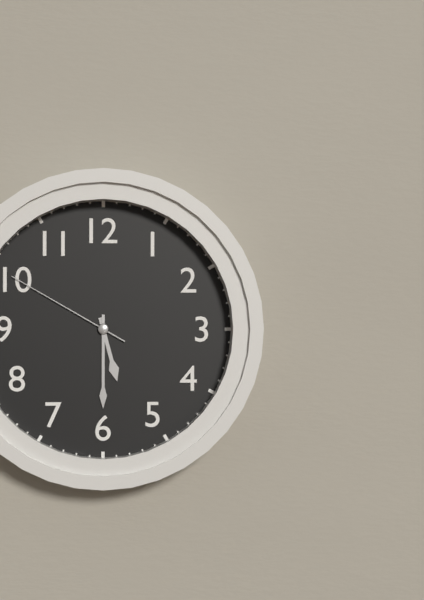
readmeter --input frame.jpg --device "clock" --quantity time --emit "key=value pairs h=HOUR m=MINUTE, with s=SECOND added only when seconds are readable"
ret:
h=5 m=30 s=50
